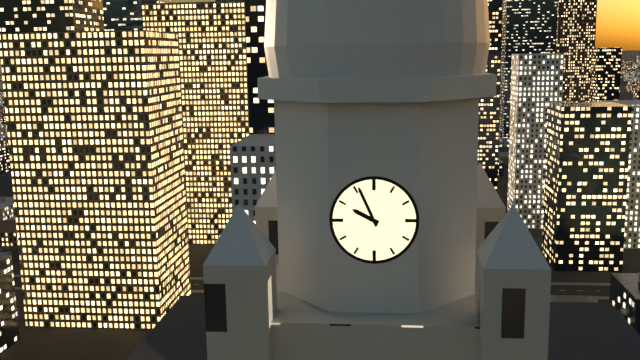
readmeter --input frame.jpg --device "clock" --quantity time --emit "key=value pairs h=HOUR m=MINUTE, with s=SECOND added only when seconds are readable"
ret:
h=9 m=56
